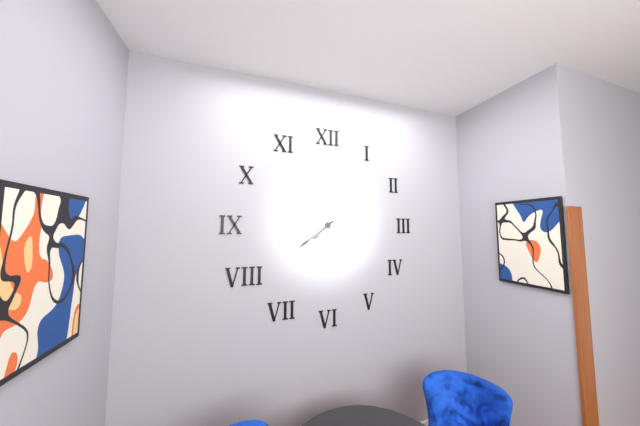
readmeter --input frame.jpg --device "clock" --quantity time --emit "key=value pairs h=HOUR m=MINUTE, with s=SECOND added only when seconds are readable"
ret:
h=7 m=39
